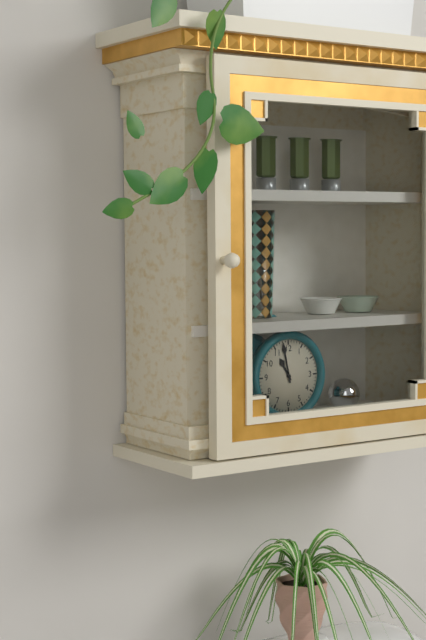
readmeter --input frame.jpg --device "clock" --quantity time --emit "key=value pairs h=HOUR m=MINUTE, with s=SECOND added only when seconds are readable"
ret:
h=10 m=58
